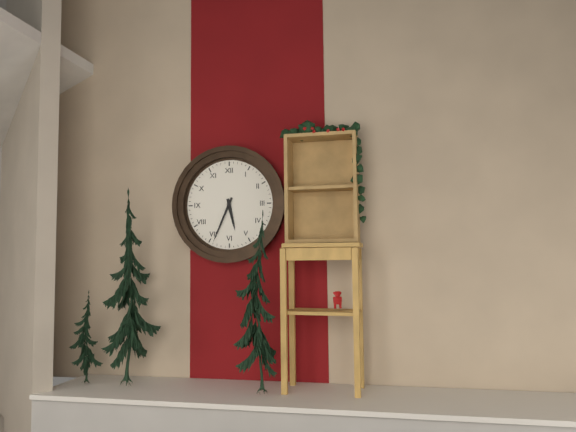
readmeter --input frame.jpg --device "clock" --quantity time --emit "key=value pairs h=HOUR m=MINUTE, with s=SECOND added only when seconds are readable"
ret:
h=5 m=34
